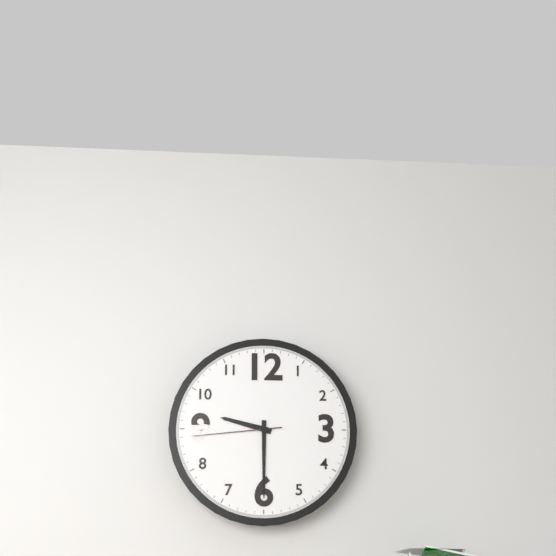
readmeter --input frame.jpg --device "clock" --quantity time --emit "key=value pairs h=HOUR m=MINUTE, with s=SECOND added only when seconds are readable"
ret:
h=9 m=30 s=44
